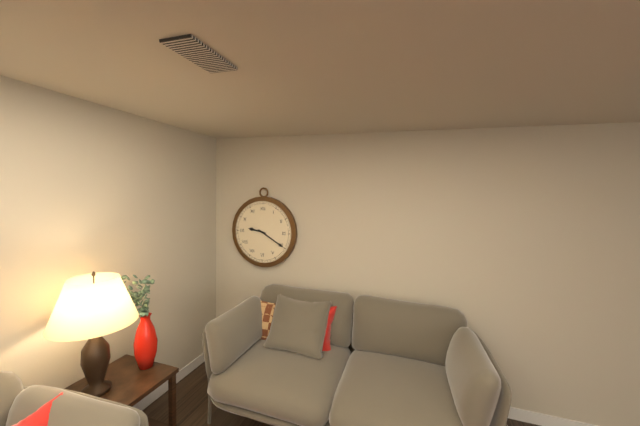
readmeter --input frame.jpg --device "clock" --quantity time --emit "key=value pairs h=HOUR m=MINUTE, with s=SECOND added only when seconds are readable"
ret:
h=9 m=20
